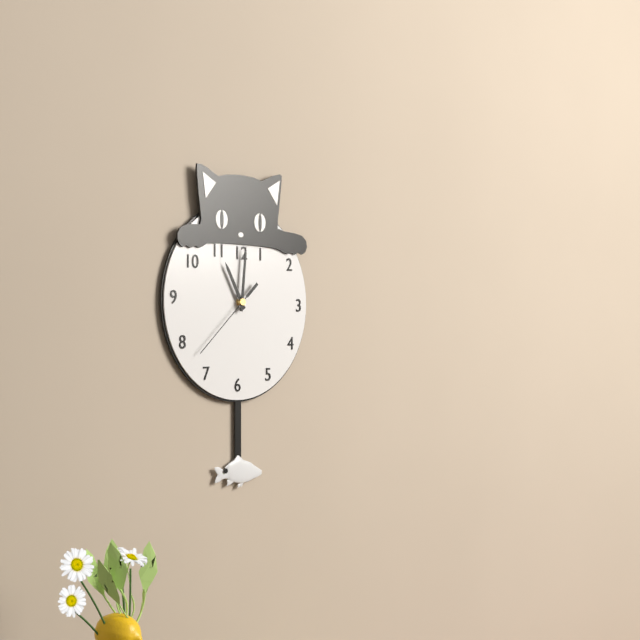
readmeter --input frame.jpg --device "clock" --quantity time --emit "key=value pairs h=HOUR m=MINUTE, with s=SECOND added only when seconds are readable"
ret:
h=11 m=1 s=38
